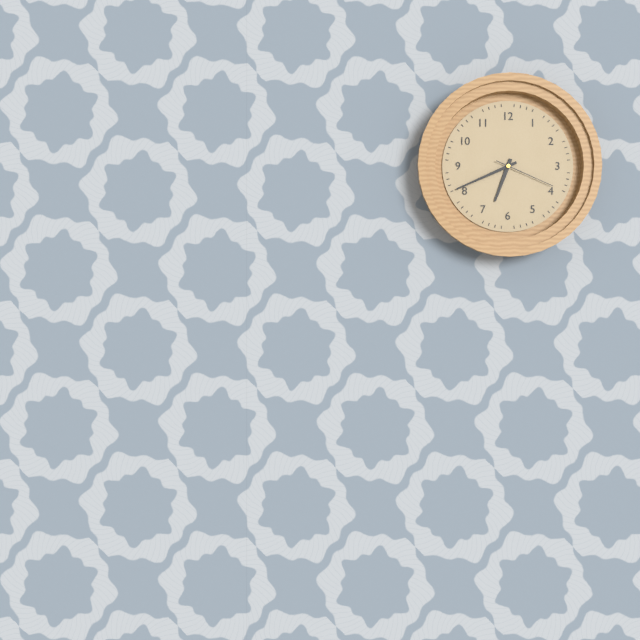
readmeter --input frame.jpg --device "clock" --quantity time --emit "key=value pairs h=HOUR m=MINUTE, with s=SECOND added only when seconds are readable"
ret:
h=6 m=41 s=19
